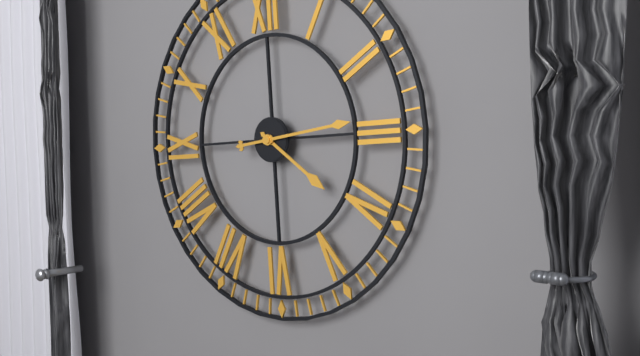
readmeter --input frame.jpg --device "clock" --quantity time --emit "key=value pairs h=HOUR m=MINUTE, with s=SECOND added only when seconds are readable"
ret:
h=4 m=14
